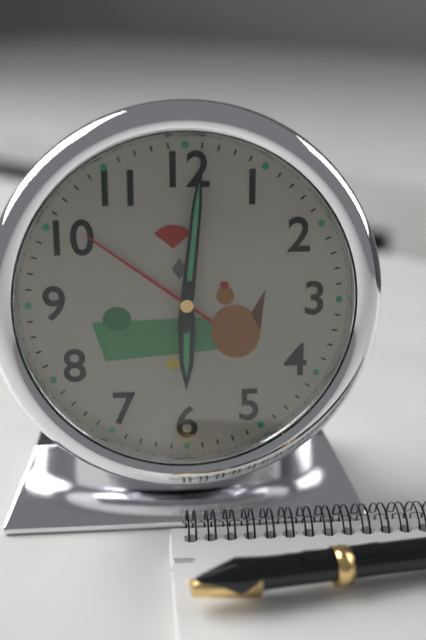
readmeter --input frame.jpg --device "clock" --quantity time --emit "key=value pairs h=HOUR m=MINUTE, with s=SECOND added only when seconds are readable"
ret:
h=6 m=1
